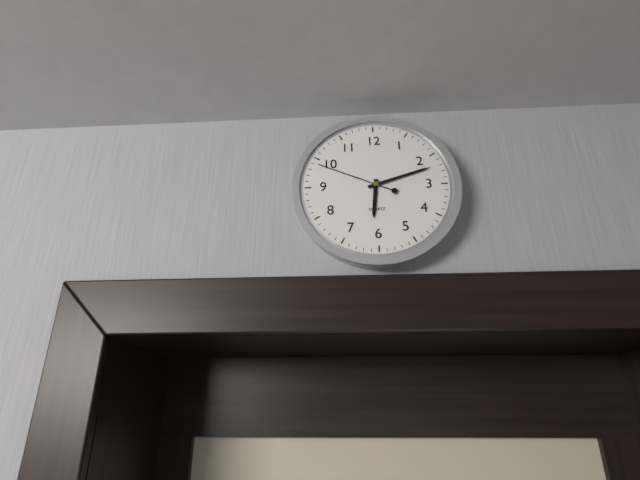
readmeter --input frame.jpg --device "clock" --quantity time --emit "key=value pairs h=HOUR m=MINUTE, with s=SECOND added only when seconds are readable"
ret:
h=6 m=12 s=49
